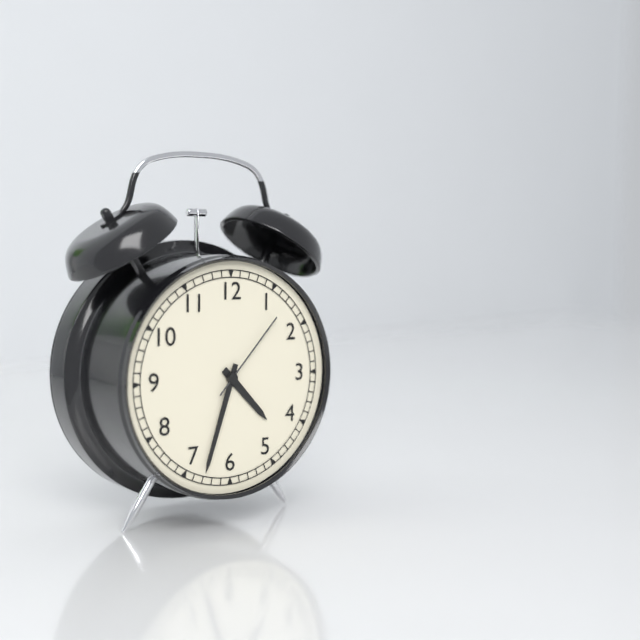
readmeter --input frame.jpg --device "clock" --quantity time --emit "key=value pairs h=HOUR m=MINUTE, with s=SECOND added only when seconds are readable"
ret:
h=4 m=33 s=7
